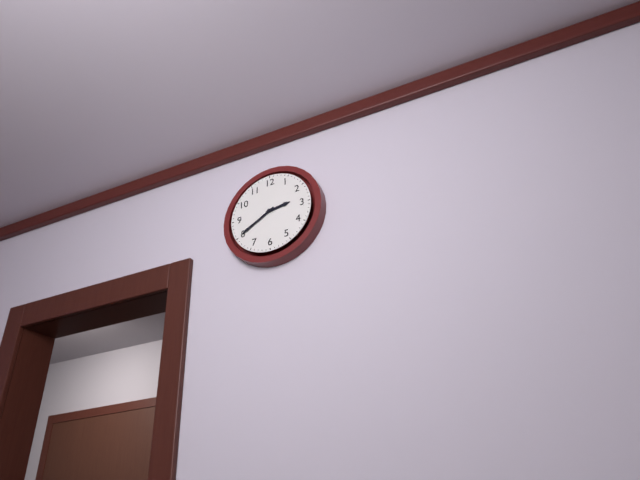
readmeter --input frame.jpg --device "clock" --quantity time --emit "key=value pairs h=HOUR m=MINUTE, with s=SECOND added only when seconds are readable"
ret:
h=2 m=40
